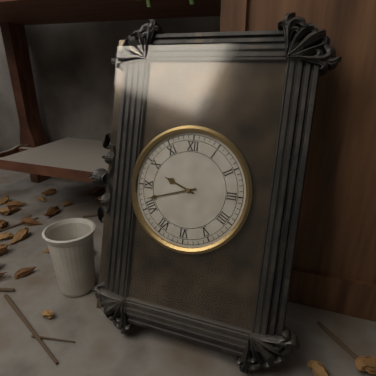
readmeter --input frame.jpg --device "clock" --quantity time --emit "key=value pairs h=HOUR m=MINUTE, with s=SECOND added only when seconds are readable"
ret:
h=9 m=42
